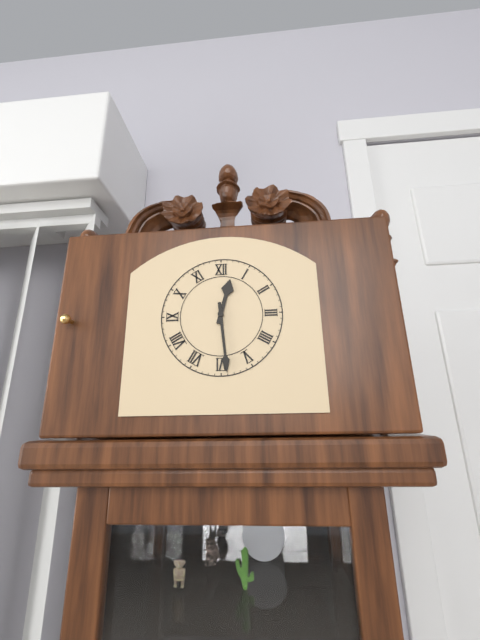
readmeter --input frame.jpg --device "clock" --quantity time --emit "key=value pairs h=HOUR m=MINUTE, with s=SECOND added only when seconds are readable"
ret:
h=12 m=29
